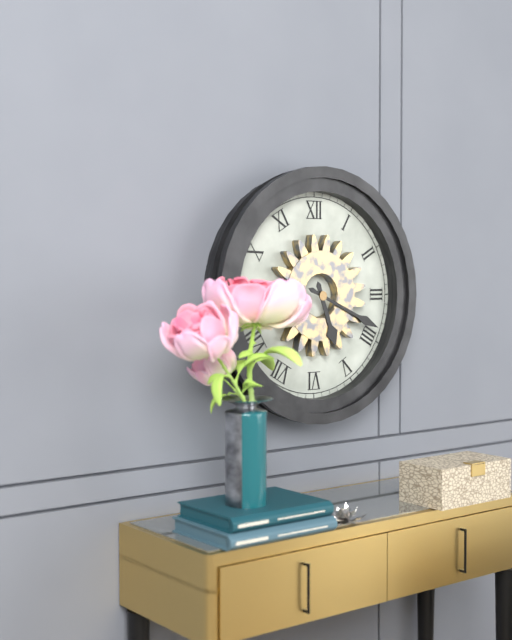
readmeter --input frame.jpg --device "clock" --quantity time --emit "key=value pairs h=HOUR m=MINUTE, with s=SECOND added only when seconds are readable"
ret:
h=5 m=19
